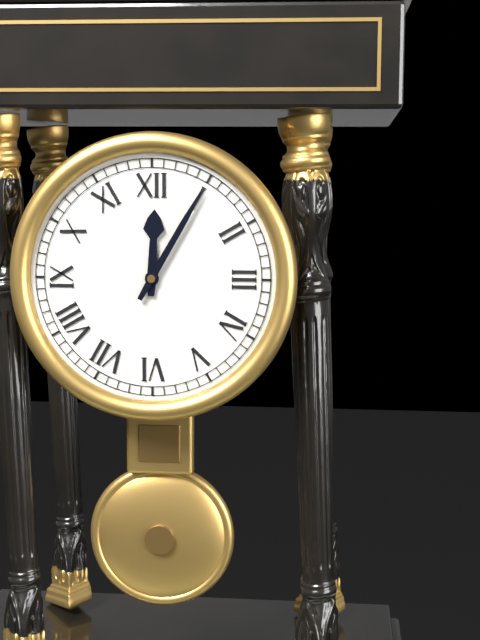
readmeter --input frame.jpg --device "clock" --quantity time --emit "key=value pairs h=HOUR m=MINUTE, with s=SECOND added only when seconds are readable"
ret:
h=12 m=5
